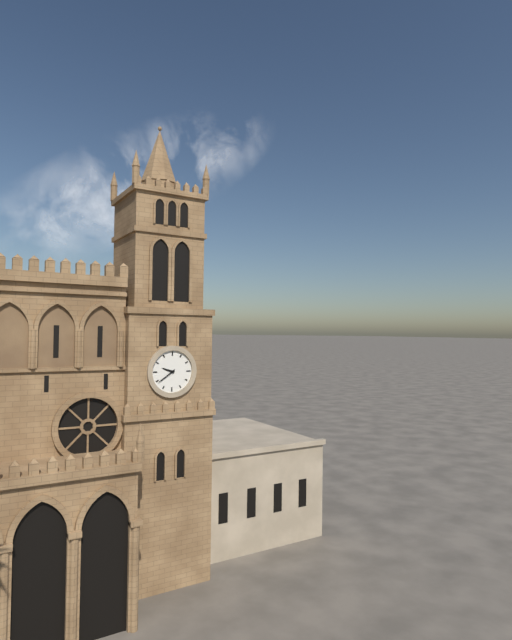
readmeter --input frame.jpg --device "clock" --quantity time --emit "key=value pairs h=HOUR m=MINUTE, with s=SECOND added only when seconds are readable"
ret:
h=9 m=39
